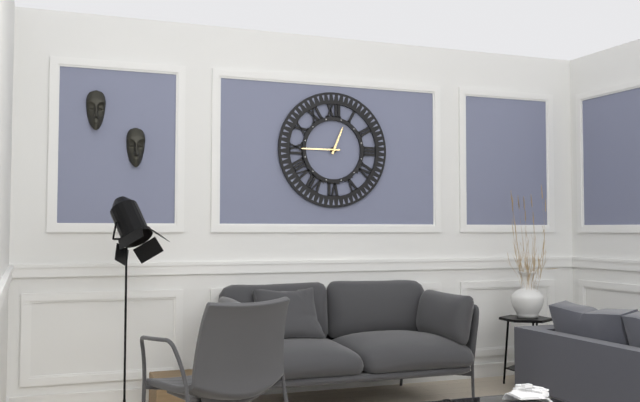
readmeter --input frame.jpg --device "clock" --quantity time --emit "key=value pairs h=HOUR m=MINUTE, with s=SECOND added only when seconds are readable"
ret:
h=12 m=45
